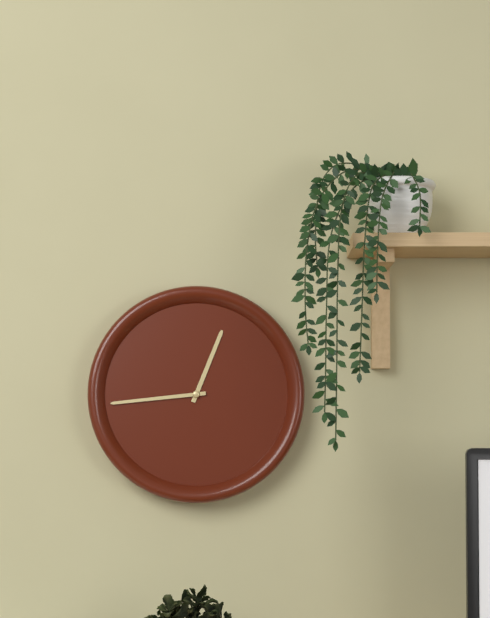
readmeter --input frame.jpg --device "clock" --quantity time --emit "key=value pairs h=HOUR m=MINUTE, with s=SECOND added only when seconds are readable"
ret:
h=12 m=44
